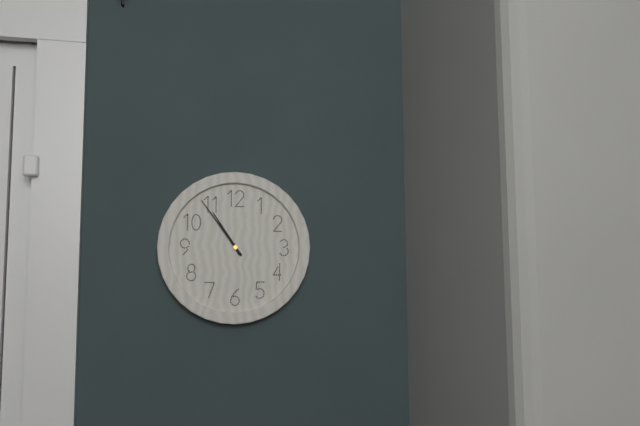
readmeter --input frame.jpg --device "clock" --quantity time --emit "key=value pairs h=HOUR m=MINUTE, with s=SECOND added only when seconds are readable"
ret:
h=10 m=54
